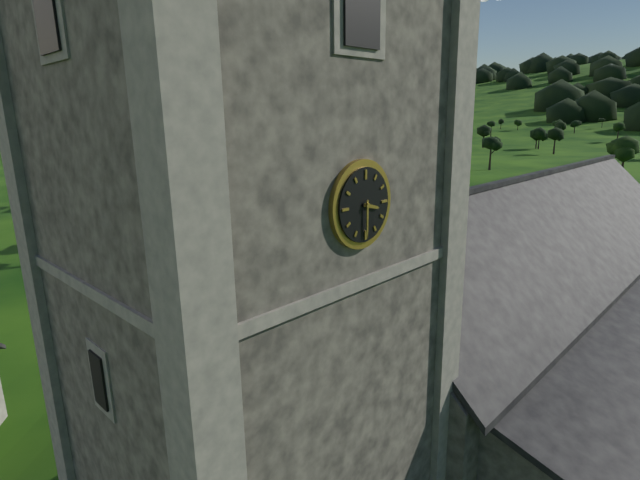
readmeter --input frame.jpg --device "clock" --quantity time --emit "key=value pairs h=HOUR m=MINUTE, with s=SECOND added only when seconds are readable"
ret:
h=3 m=30
